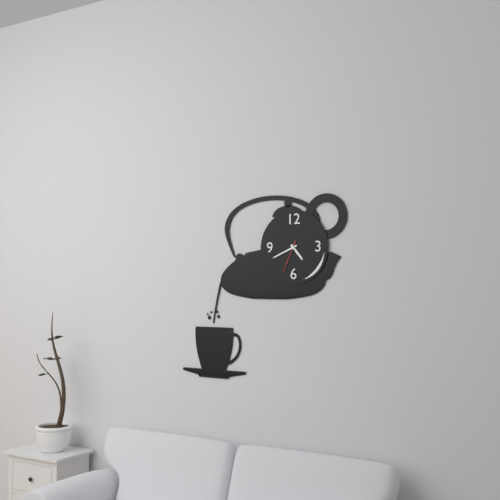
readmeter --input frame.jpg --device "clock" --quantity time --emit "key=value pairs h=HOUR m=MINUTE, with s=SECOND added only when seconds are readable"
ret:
h=4 m=41
